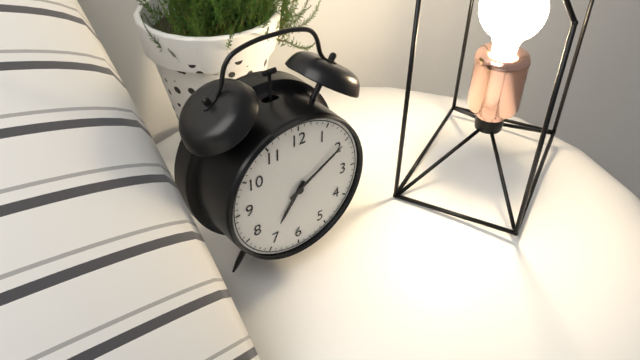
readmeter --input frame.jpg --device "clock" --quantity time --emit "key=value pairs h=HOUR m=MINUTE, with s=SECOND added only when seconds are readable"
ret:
h=7 m=10
